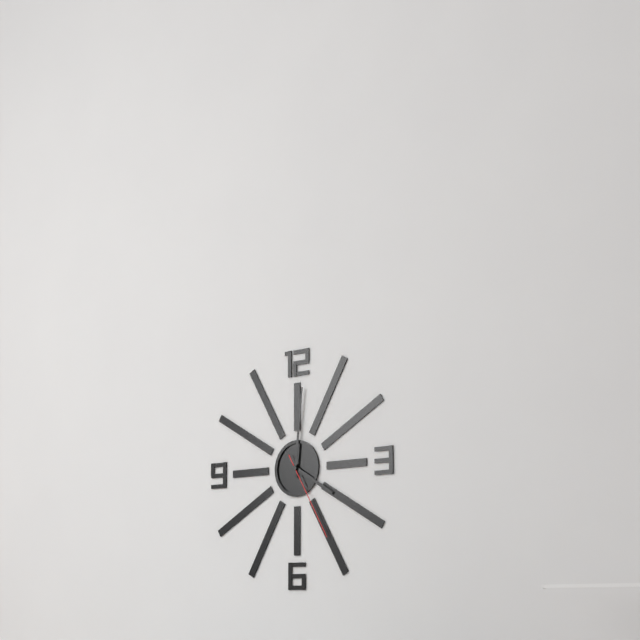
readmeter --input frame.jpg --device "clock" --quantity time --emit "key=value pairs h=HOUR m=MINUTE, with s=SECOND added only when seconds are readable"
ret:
h=4 m=1 s=25
